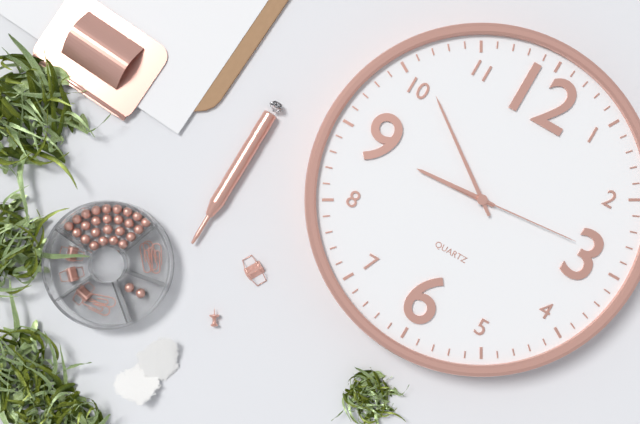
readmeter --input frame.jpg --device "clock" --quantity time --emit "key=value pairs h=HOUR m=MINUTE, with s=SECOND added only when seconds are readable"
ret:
h=8 m=51 s=14
